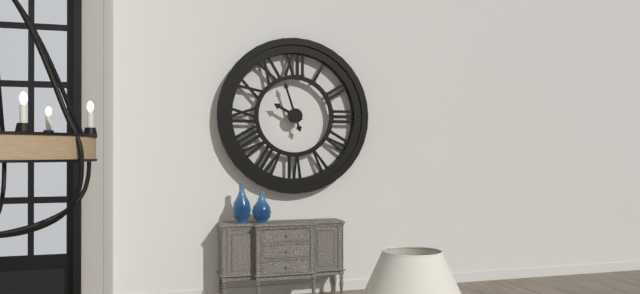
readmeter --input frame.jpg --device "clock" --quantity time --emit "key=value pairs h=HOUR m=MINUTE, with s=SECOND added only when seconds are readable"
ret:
h=9 m=57
